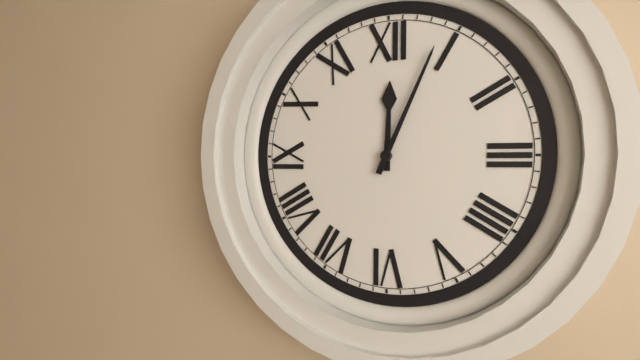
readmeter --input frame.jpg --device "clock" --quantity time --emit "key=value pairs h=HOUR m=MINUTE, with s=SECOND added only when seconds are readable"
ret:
h=12 m=4
